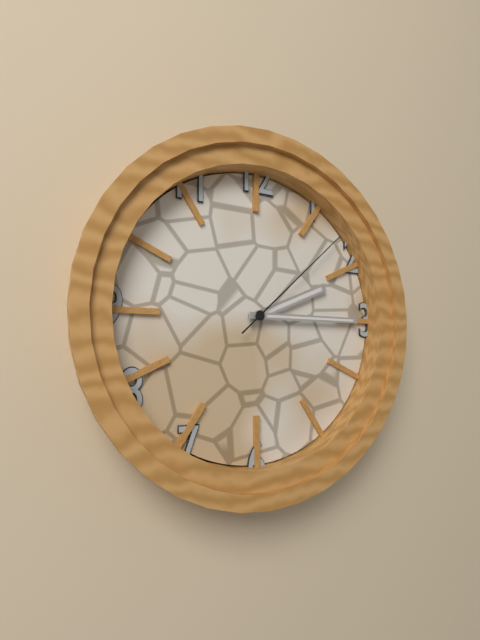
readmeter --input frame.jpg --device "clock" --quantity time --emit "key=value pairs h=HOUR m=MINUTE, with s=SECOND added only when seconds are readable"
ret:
h=2 m=15 s=8
